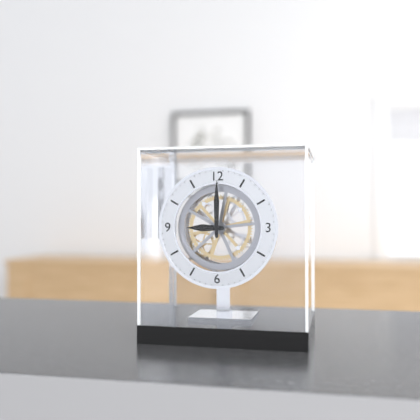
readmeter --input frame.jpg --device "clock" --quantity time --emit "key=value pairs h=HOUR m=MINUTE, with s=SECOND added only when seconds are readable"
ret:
h=9 m=0
